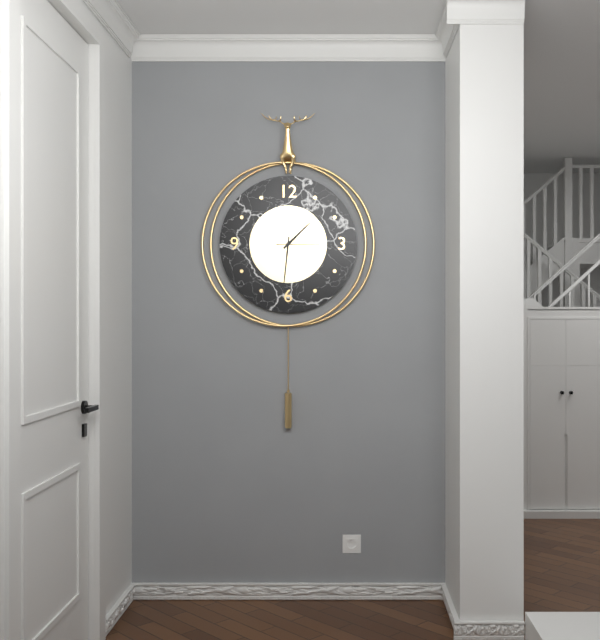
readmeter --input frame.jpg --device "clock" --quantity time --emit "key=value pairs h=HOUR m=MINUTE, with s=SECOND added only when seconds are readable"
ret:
h=1 m=31
